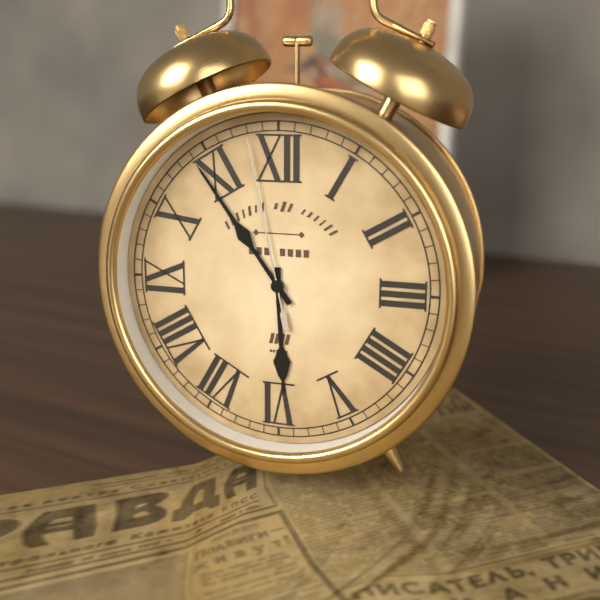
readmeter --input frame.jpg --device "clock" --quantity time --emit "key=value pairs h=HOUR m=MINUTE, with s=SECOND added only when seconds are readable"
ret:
h=5 m=54 s=58
